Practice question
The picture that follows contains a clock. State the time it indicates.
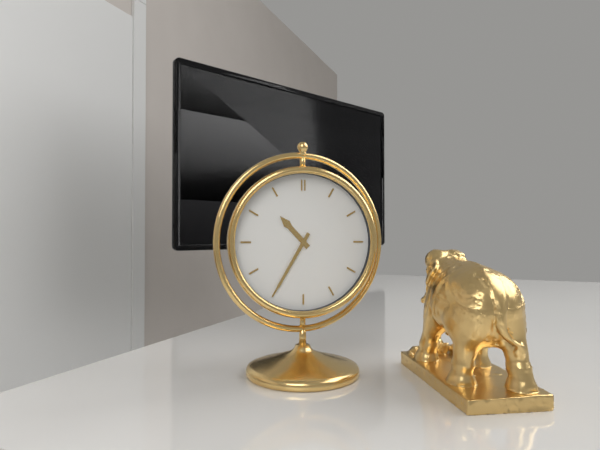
10:35
